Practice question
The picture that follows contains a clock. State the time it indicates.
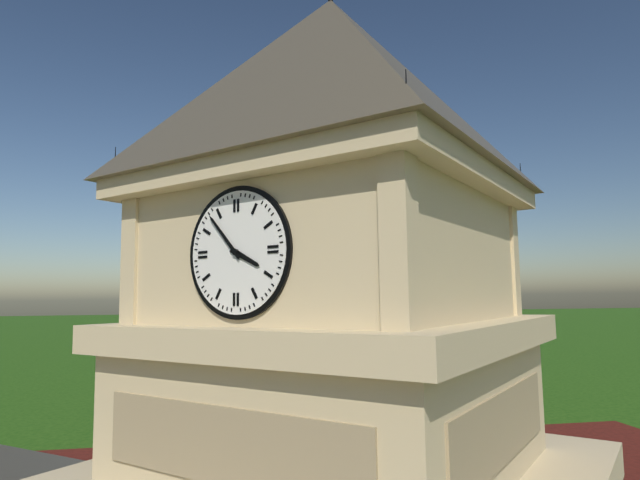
3:53
